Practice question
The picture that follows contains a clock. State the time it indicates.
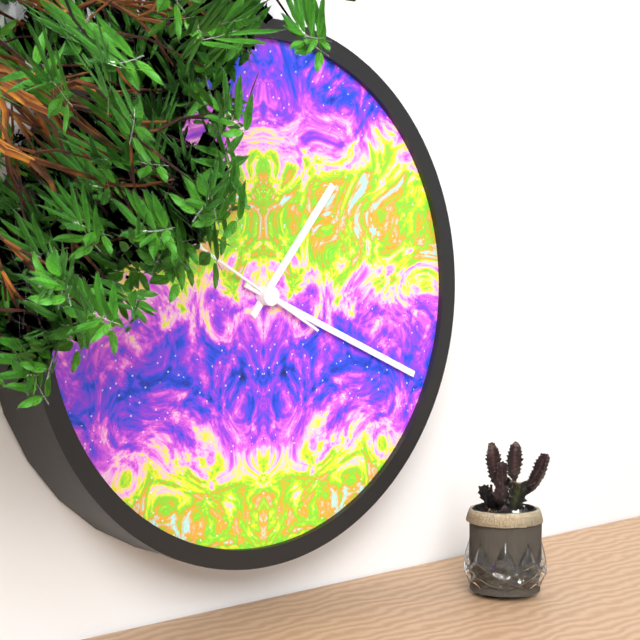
1:19
